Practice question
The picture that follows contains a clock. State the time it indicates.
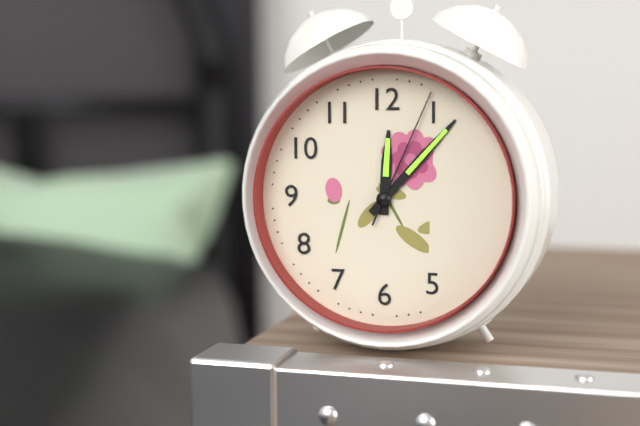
12:07:04
